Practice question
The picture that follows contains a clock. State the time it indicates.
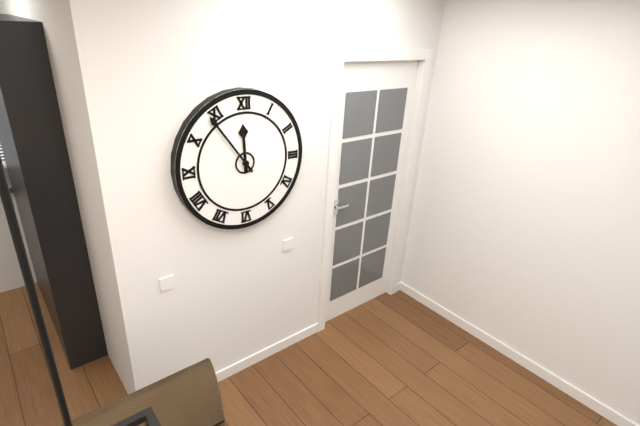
11:54
